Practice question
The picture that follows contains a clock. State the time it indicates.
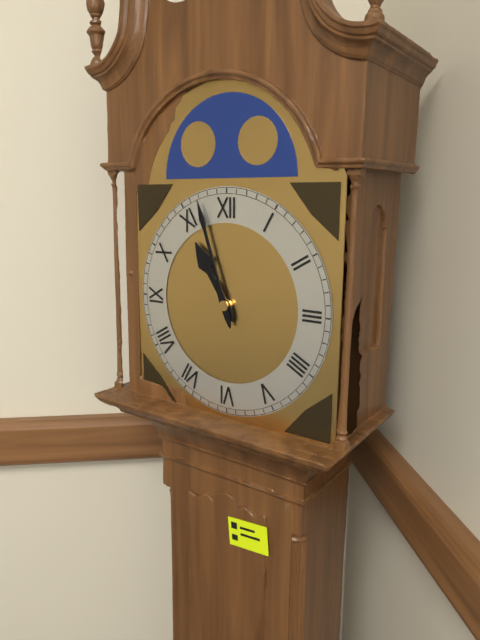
10:57
